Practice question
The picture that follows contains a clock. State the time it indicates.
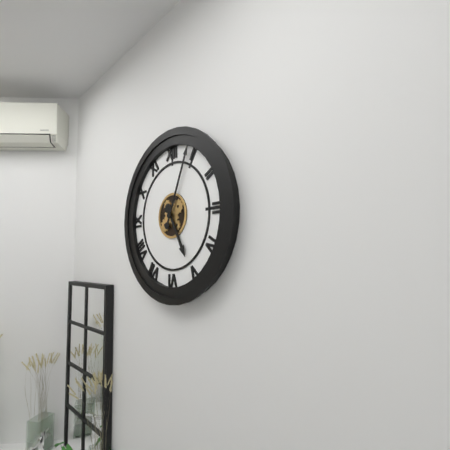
5:04
